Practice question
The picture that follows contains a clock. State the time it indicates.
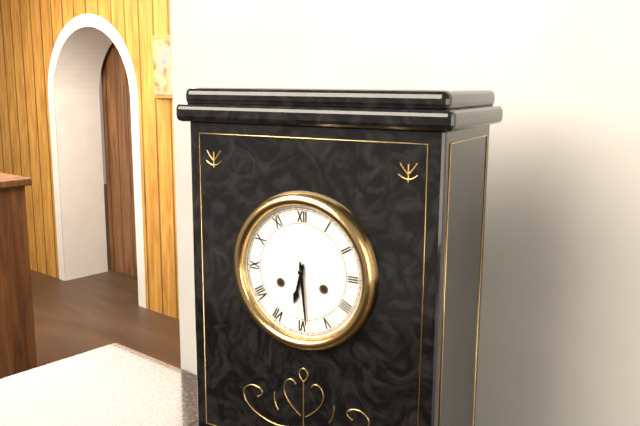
6:29
